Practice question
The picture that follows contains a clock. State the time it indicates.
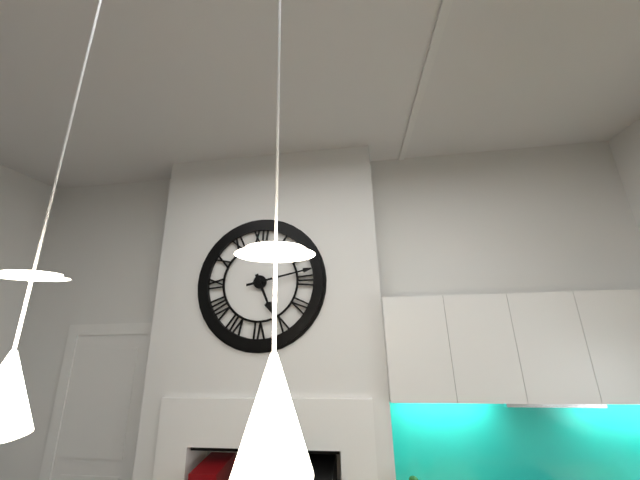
5:13
